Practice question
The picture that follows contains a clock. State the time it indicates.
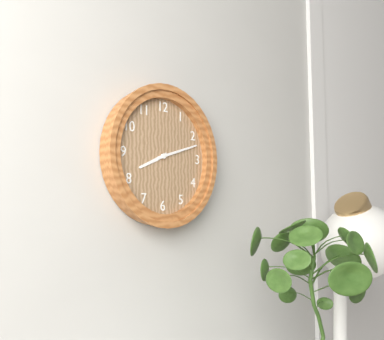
8:12
